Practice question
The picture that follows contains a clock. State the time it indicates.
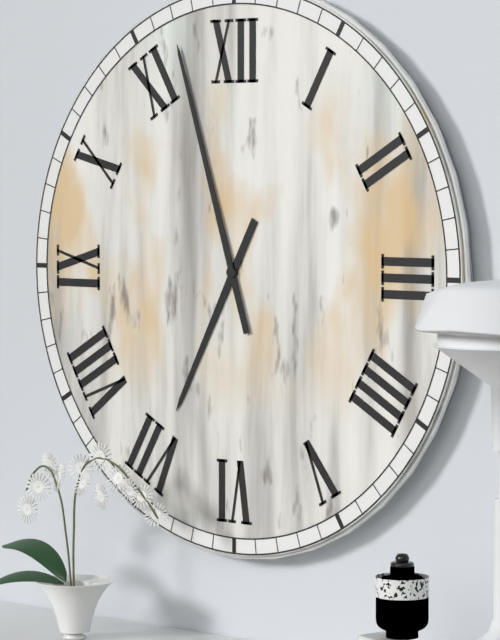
6:57
